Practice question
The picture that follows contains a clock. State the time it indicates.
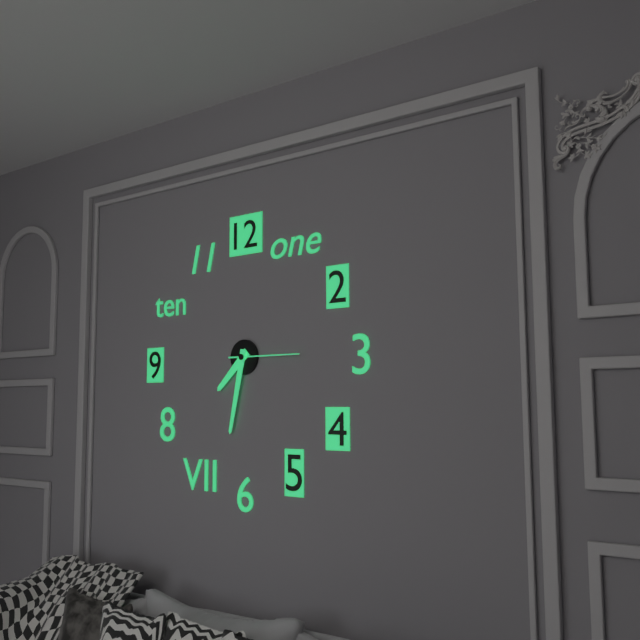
7:32:15
